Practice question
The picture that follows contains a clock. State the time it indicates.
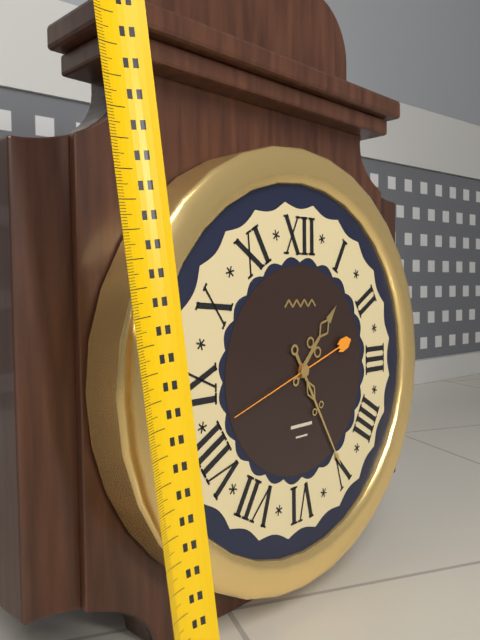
1:25:42
